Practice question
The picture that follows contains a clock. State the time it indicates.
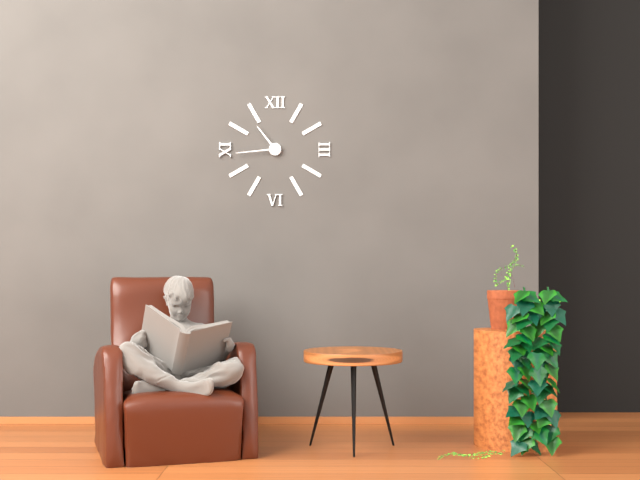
10:44
